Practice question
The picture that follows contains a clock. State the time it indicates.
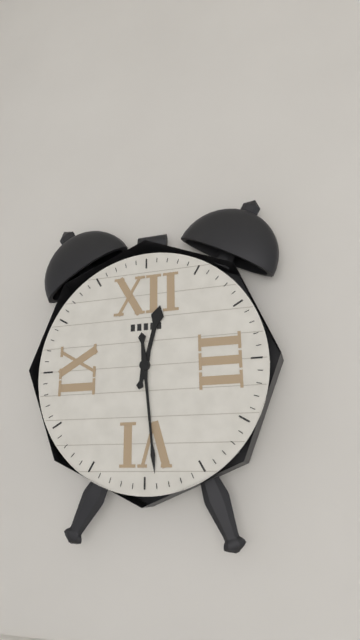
12:29
